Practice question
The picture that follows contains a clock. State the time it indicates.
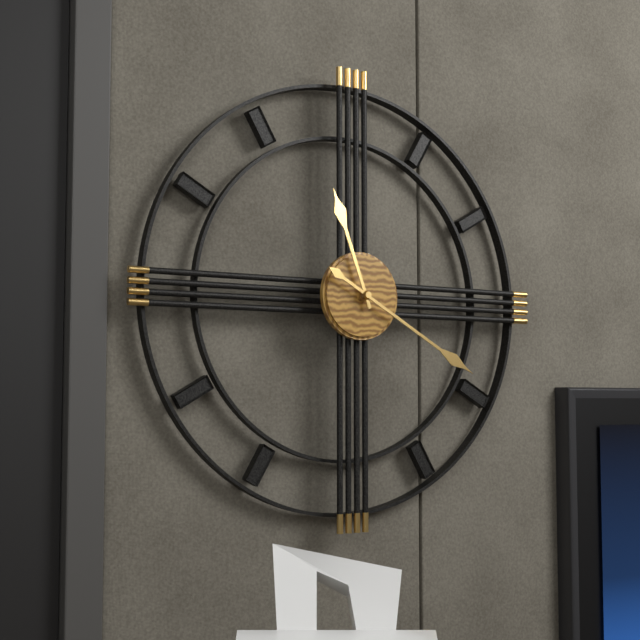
11:20
